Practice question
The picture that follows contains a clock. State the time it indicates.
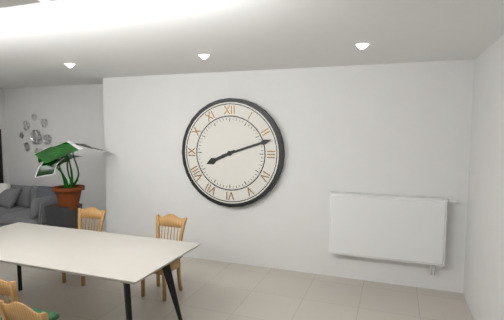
8:12
